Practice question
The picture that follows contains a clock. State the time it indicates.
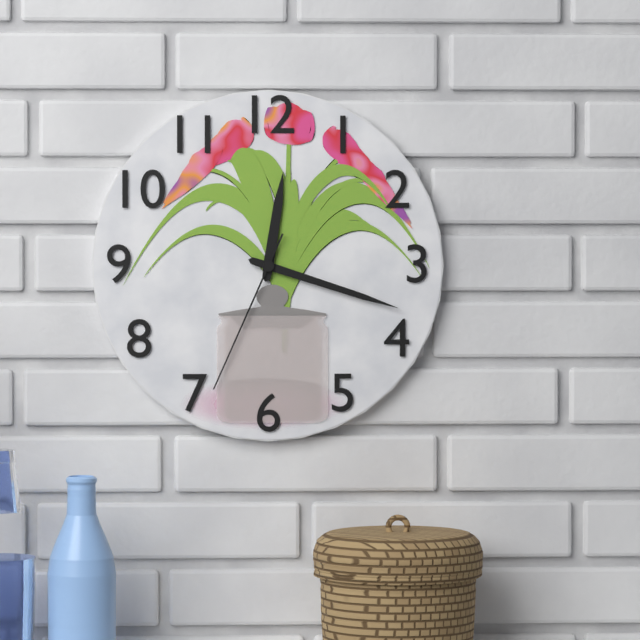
12:18:34
